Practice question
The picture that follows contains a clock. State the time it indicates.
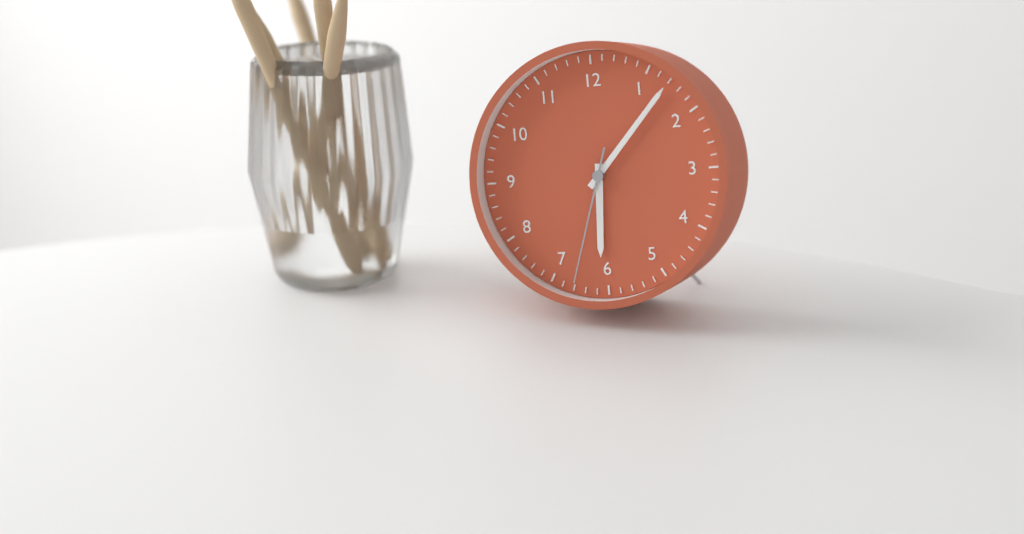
6:07:33
